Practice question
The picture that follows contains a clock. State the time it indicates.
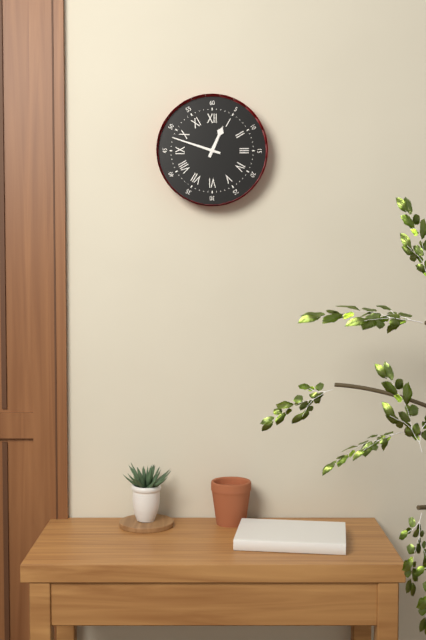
12:48
